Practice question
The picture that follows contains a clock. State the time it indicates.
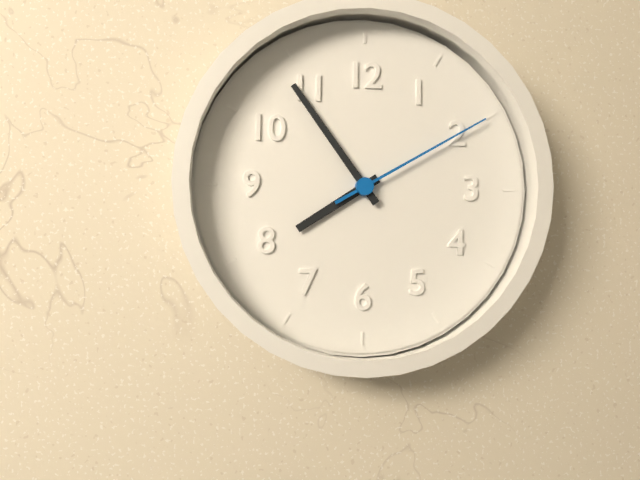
7:54:10
